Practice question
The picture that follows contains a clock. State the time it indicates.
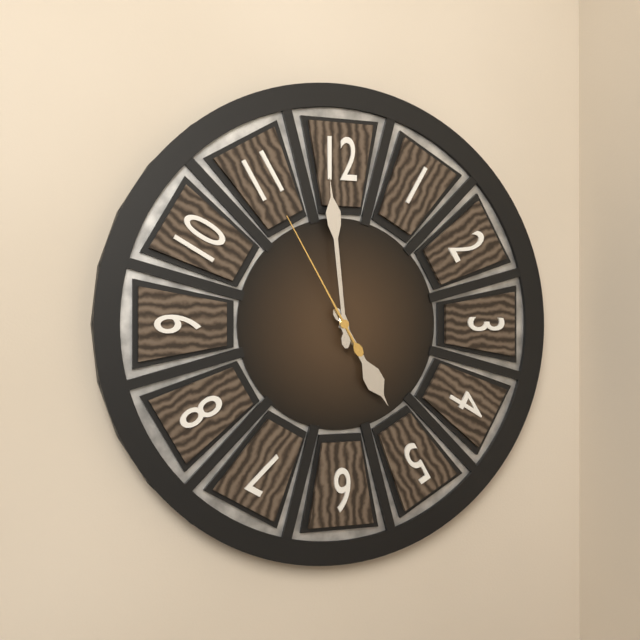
4:59:55
